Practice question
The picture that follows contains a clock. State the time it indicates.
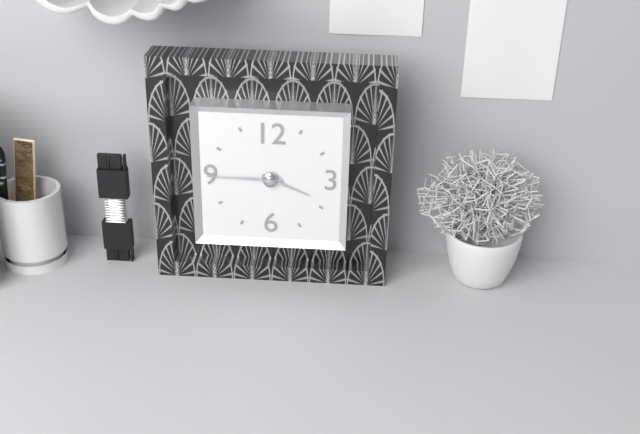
3:45
